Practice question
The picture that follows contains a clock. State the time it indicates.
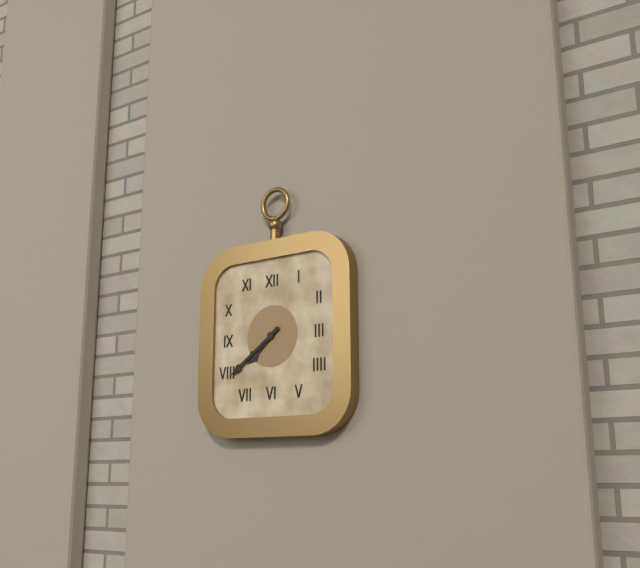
7:39
